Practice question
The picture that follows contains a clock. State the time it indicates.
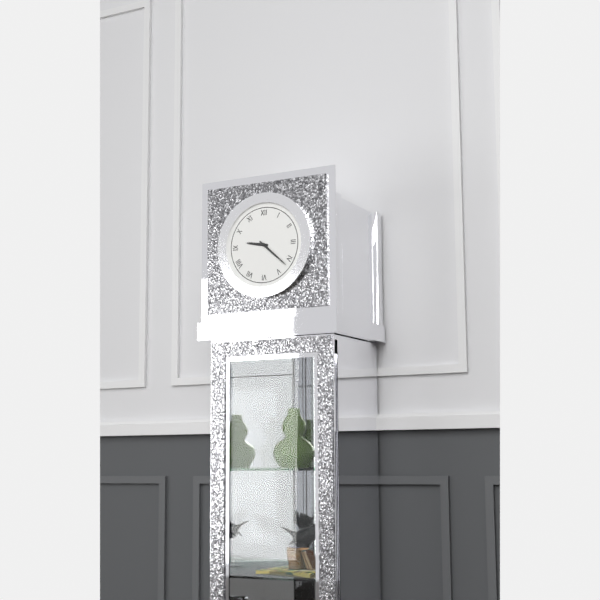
9:22
